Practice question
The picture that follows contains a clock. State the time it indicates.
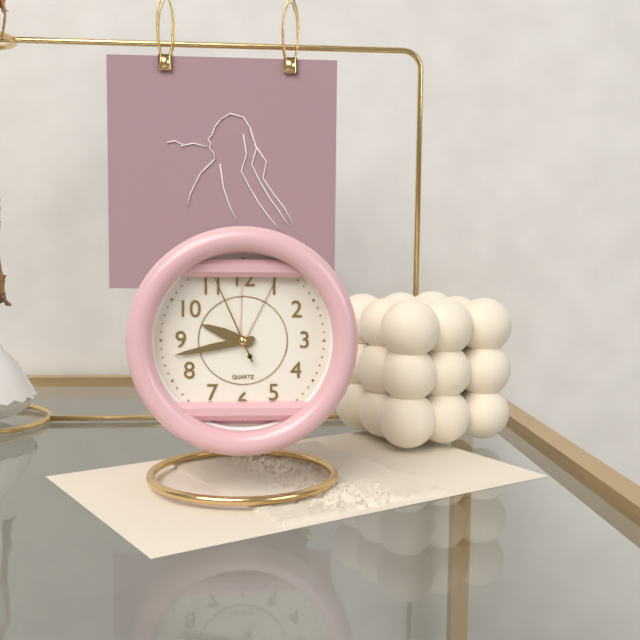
9:43:56
